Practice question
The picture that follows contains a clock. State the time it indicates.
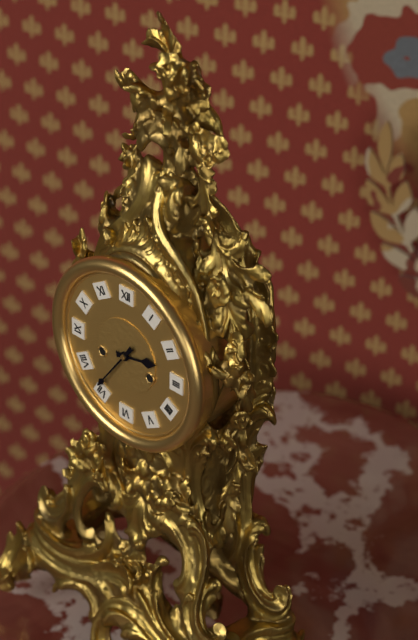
2:36
